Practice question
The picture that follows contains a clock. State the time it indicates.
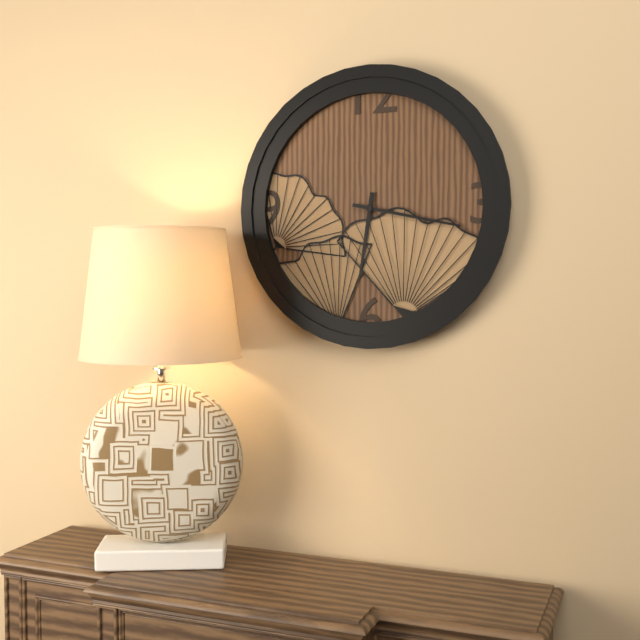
6:17
